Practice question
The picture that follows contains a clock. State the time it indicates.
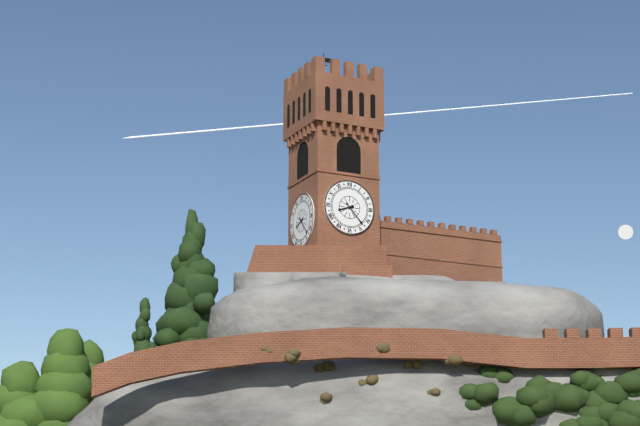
8:23
